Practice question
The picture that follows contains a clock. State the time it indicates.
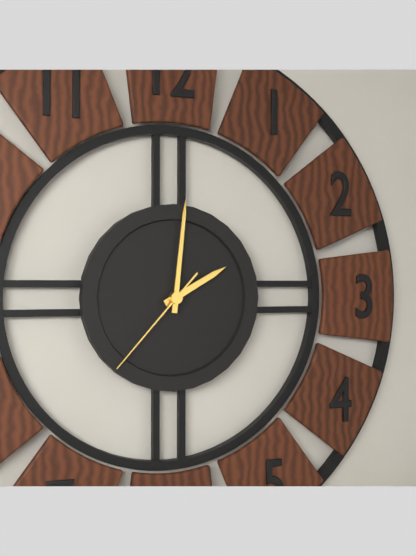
2:01:37
